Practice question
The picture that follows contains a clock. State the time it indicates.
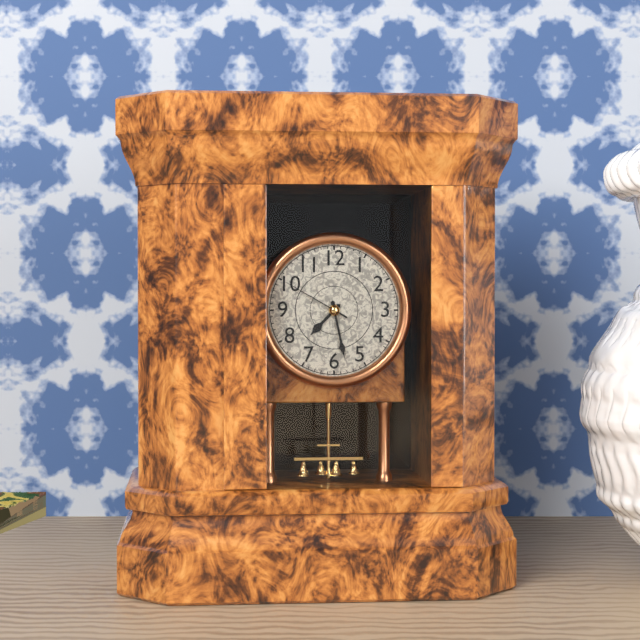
7:28:50
